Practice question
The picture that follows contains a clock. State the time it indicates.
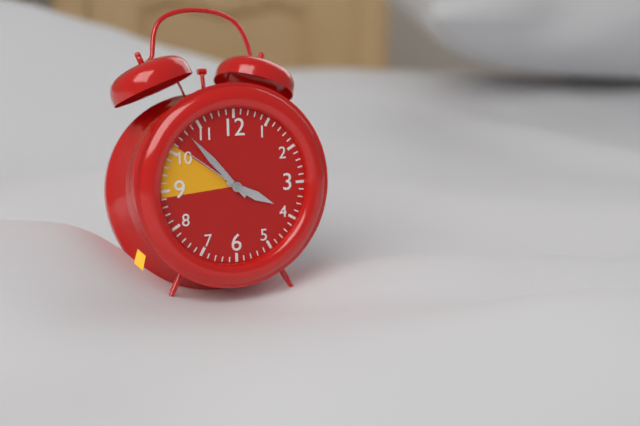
3:53:51
